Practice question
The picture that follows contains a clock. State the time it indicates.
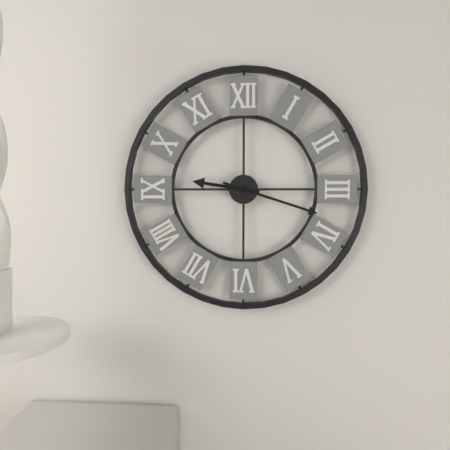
9:18
